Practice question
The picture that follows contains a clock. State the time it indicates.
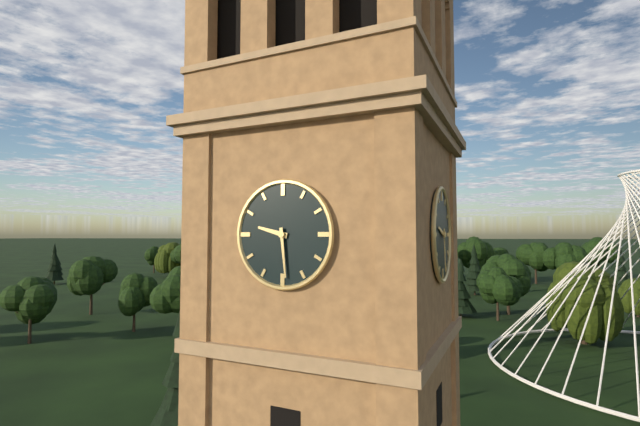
9:29
